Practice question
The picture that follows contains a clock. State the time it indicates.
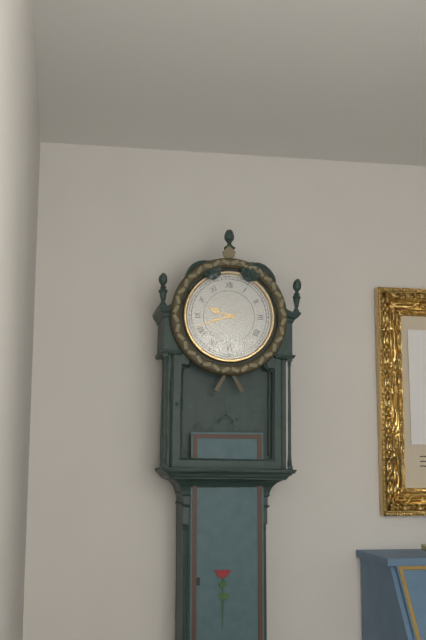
9:42
